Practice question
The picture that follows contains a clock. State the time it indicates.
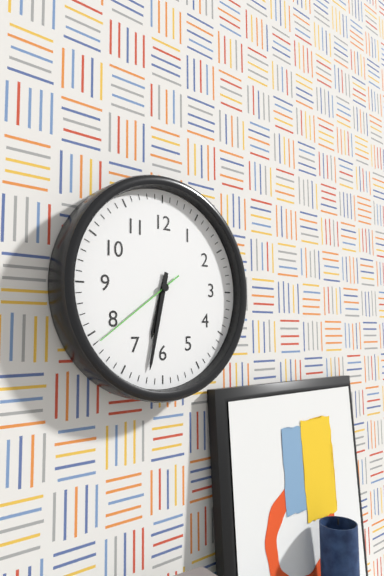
6:32:39
